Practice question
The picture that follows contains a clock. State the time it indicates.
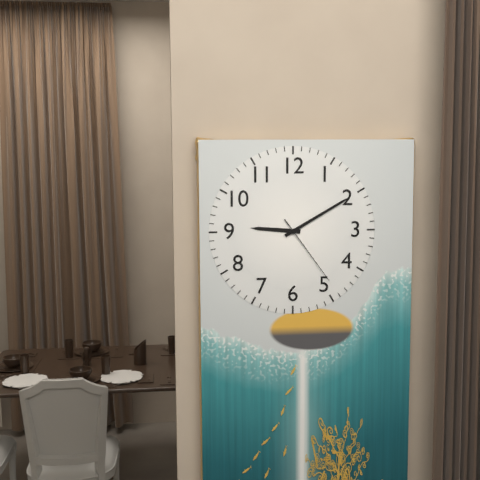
9:10:24
